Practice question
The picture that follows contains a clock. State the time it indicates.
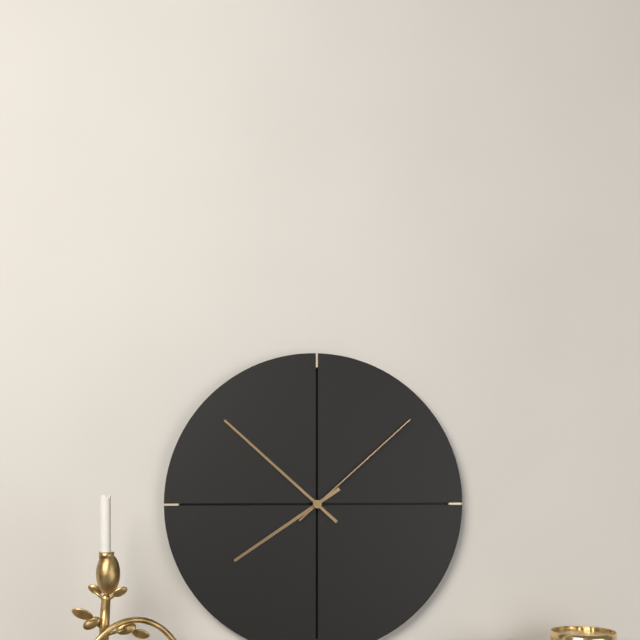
7:52:08
